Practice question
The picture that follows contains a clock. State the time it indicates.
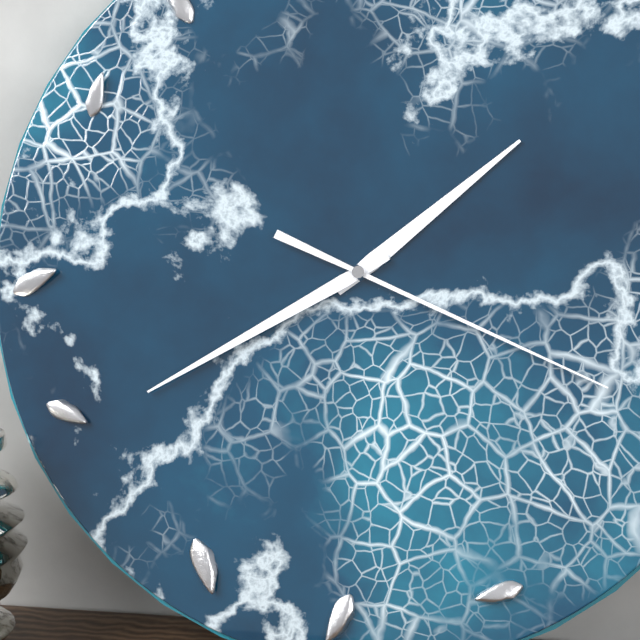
1:40:19
